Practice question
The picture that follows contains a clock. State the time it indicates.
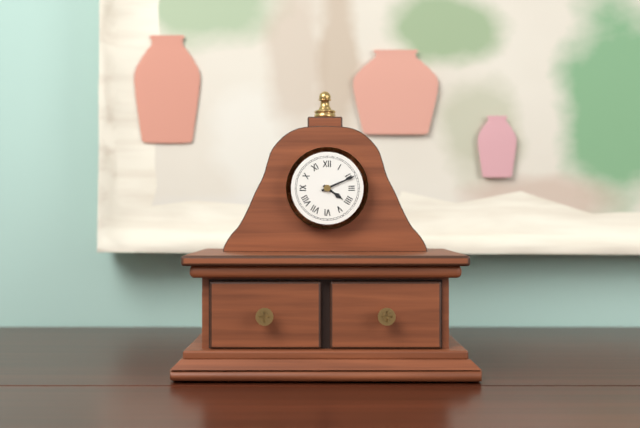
4:11
